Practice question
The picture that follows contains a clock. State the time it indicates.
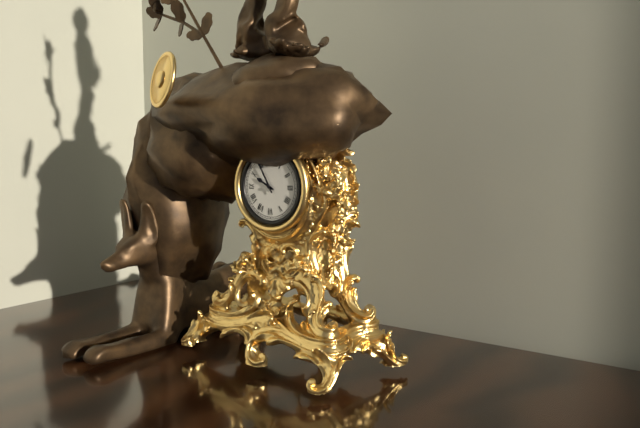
9:55
